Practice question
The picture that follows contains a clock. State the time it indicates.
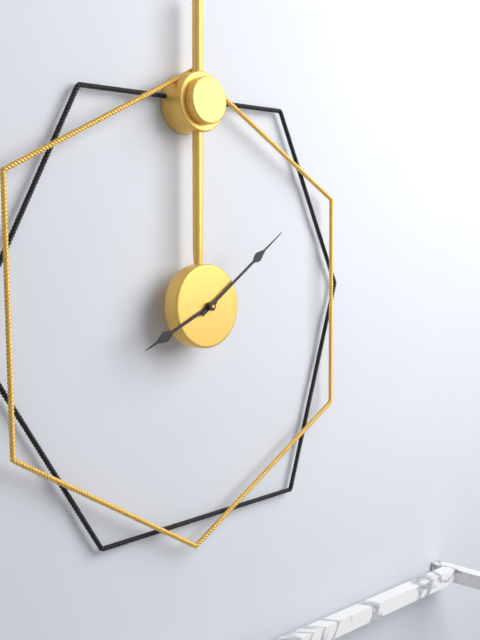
8:09
